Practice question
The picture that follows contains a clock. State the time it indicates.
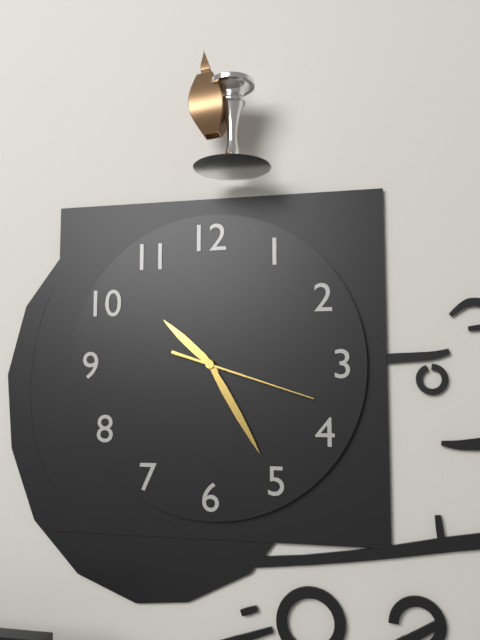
10:25:18
